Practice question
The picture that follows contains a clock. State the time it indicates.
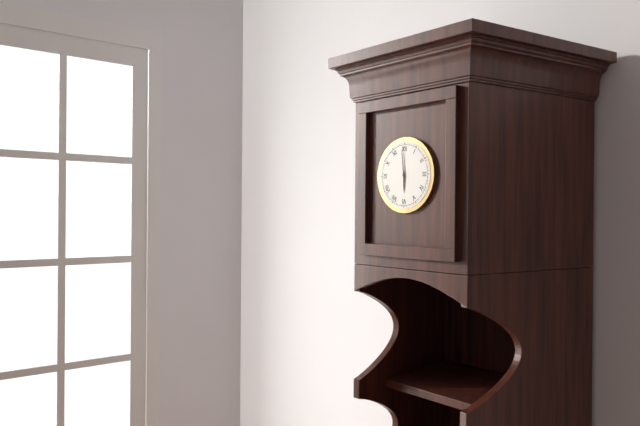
5:59
